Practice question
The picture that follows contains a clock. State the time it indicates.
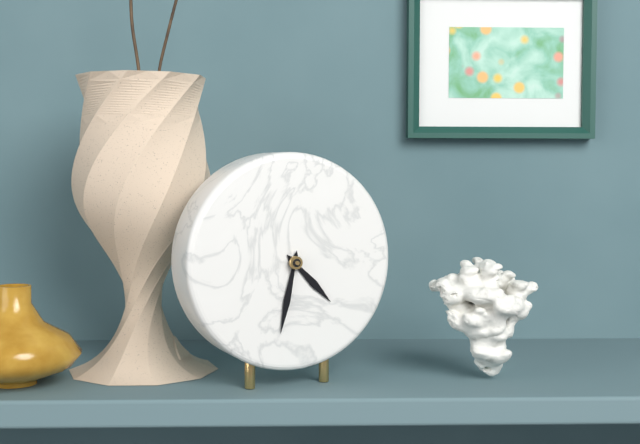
4:32
